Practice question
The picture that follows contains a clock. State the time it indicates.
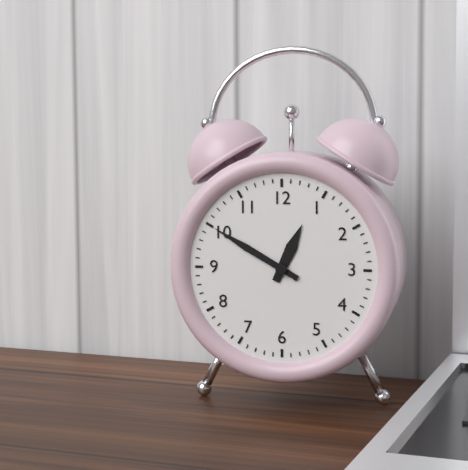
12:50
